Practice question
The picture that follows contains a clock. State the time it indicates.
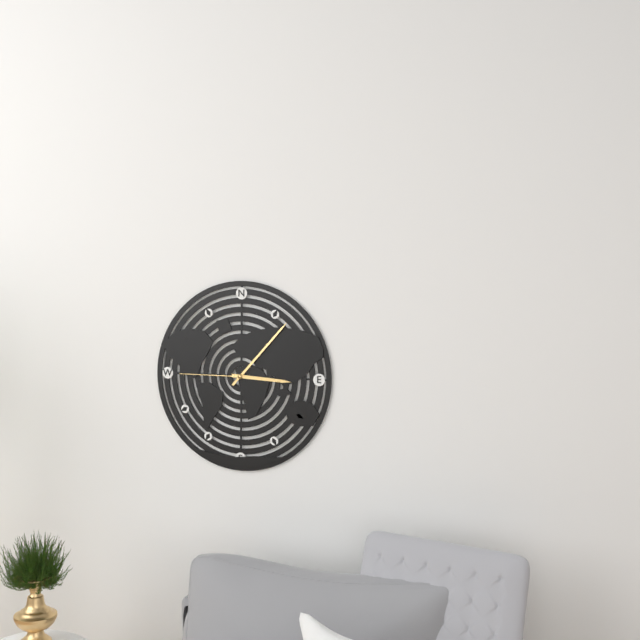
3:07:45
